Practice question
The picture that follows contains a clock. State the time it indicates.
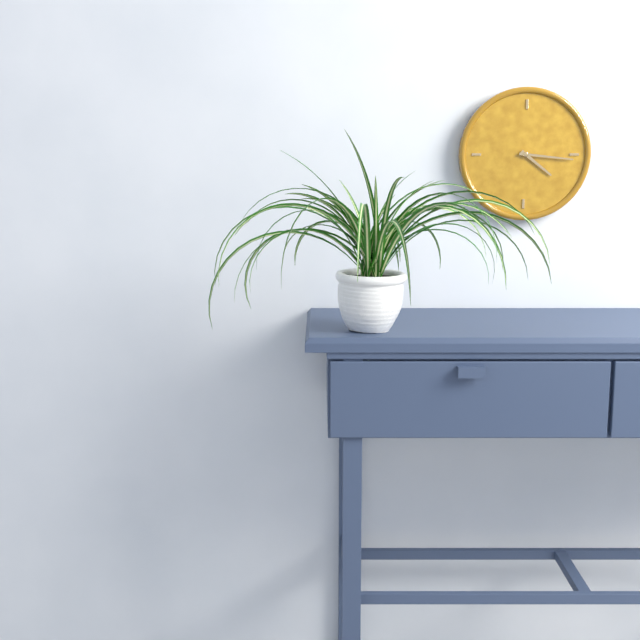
4:16
